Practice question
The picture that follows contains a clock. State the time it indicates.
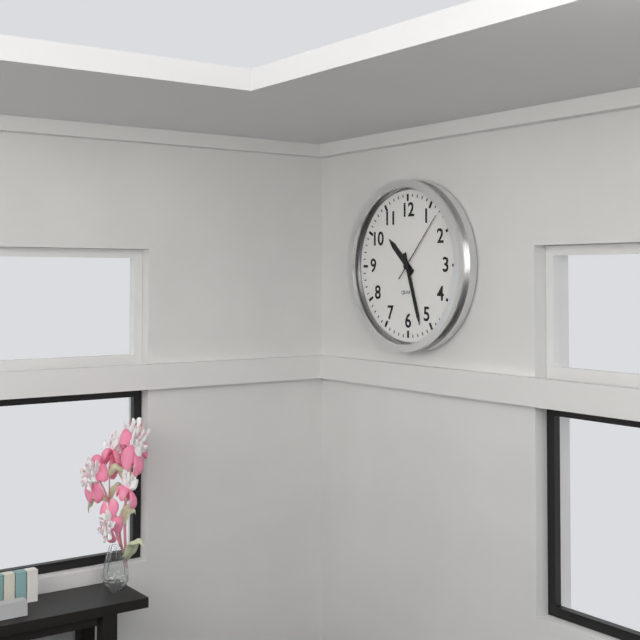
10:27:07
